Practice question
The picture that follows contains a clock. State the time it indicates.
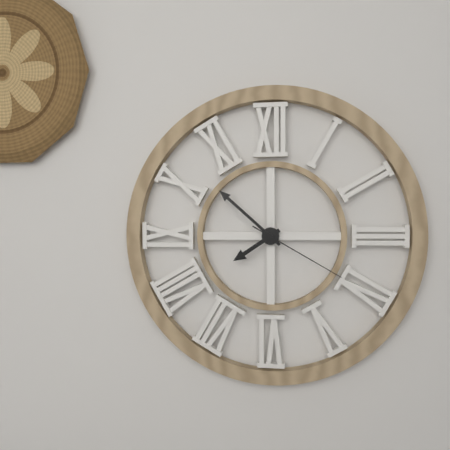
7:52:20
